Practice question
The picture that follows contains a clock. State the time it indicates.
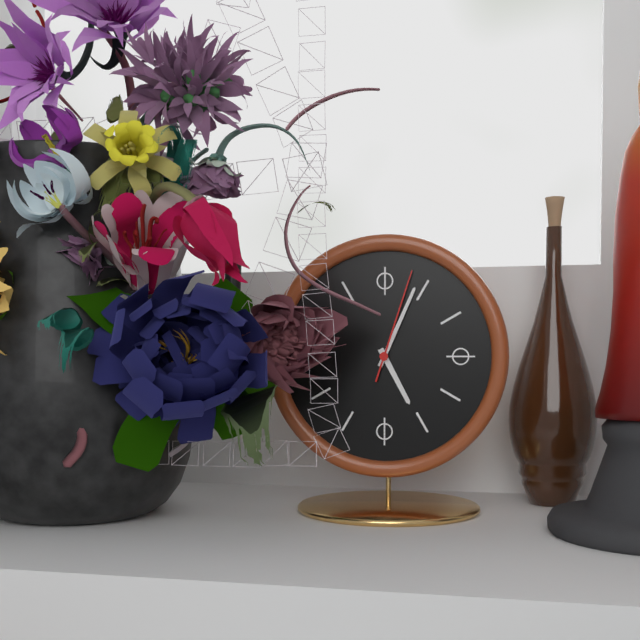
5:04:03
